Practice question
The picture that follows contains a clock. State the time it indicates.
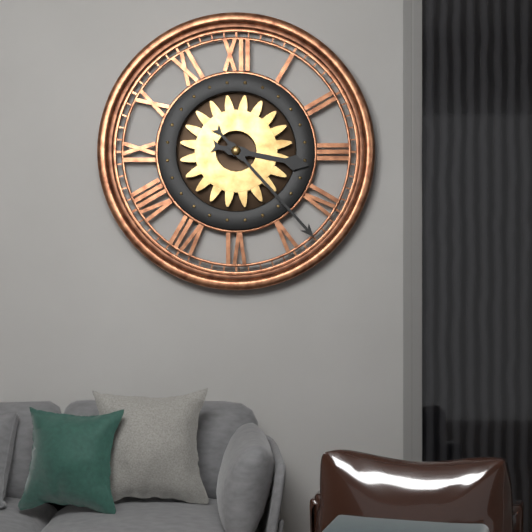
3:23
